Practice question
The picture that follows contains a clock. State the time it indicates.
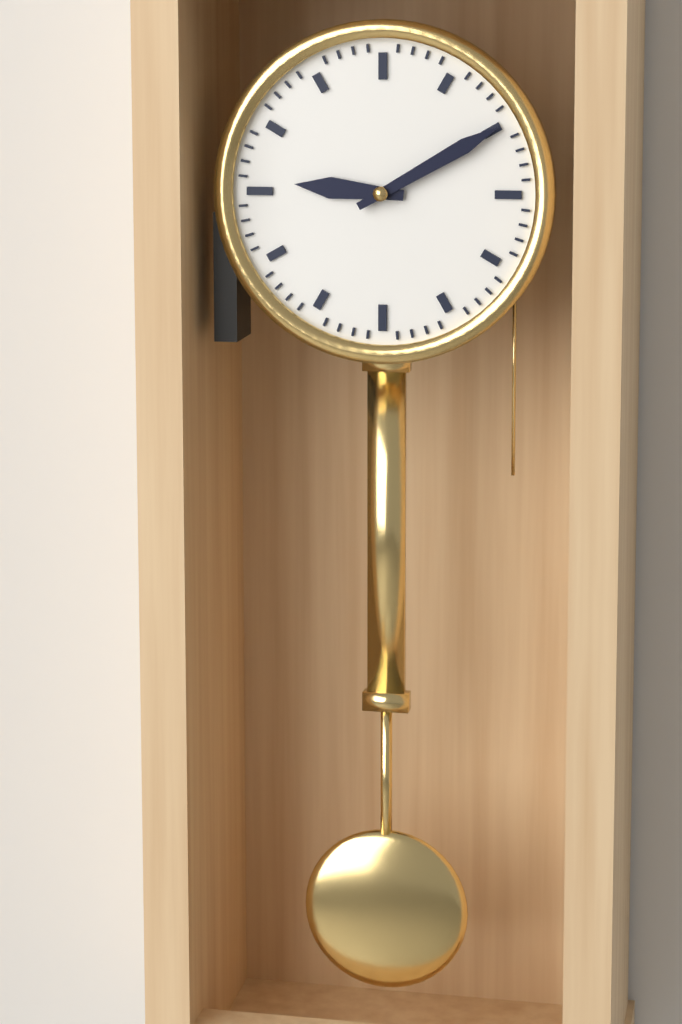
9:10
